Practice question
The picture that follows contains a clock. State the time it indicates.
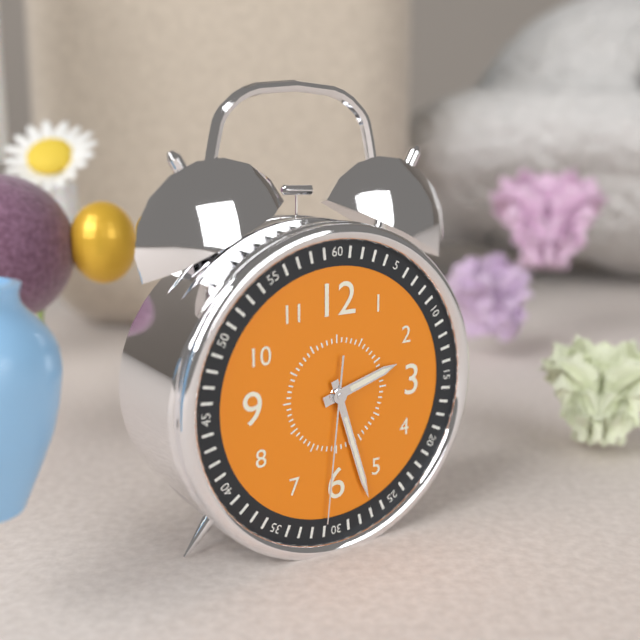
2:27:31
